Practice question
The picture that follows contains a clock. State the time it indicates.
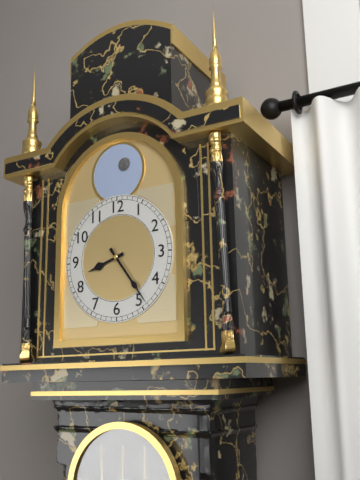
8:24
